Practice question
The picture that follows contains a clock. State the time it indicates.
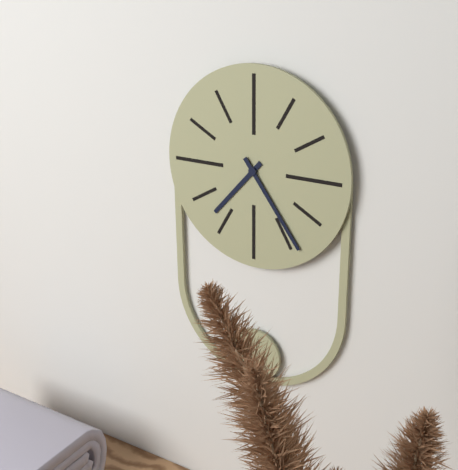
7:24
